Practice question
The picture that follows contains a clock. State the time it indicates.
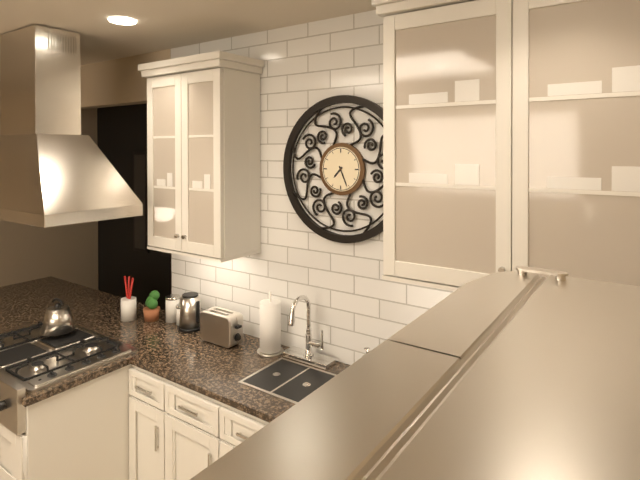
7:26
